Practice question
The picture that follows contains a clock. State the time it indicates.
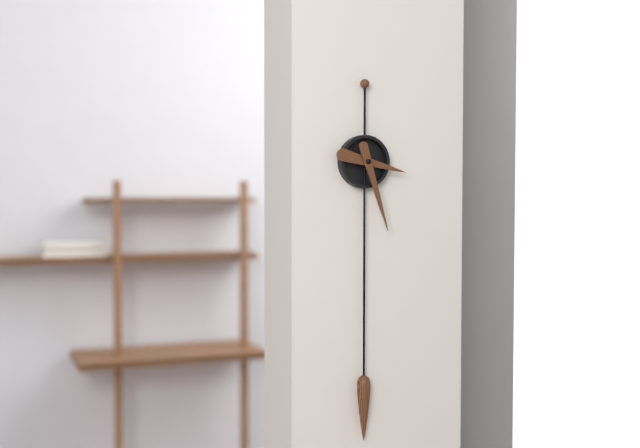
3:27
